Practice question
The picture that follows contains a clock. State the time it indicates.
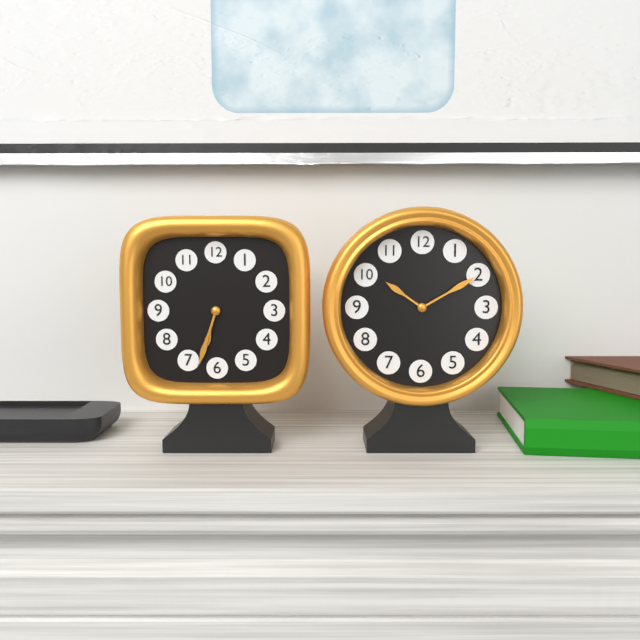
6:33
